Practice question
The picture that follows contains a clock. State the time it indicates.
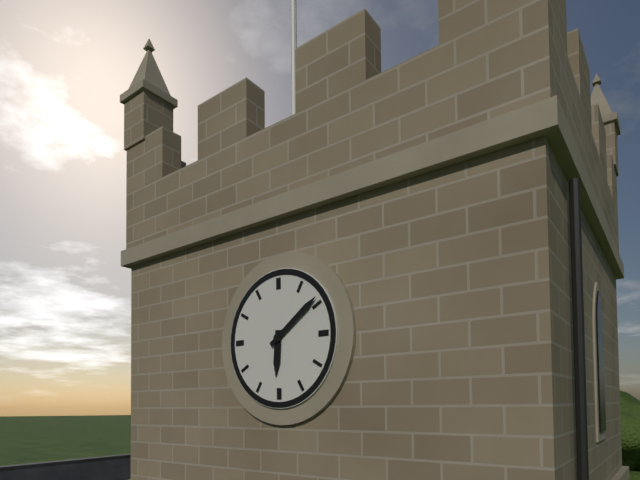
6:09
